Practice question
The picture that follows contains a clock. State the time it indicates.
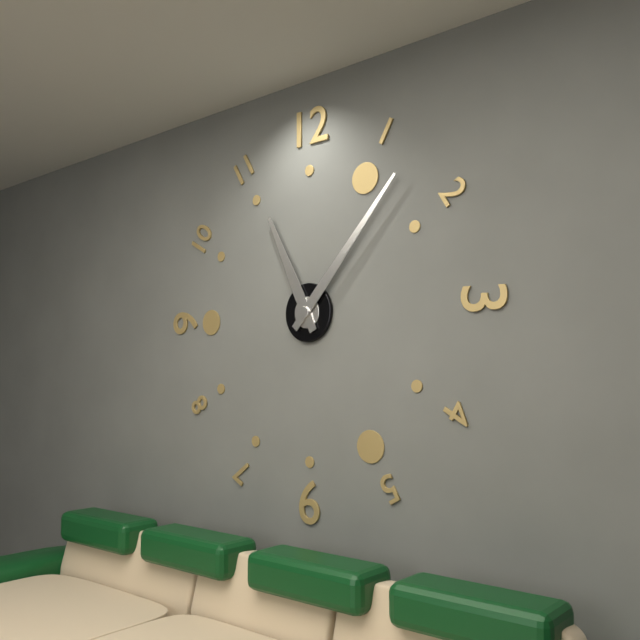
11:07
